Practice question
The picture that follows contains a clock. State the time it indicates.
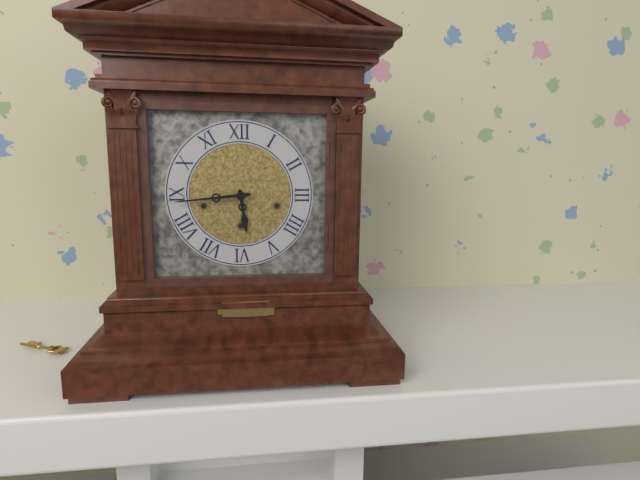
5:44
